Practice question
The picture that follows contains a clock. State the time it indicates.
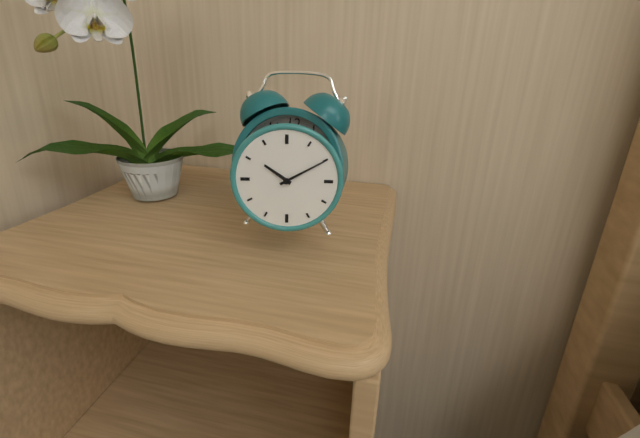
10:10
